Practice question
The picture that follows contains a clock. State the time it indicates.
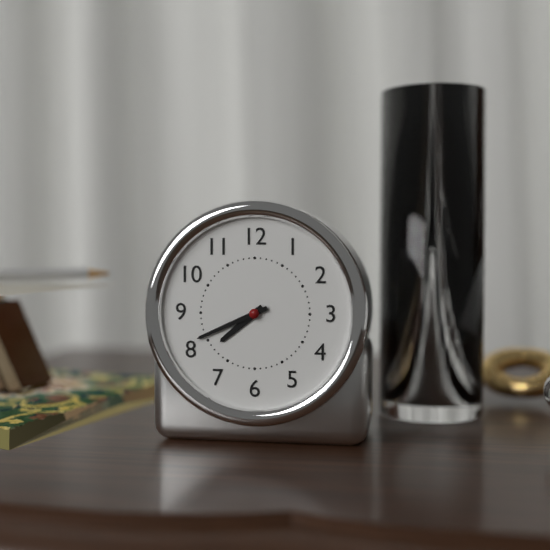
7:41
